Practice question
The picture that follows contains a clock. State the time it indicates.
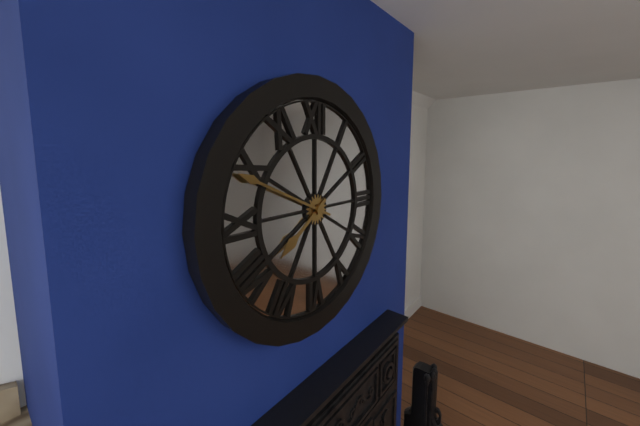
7:49
